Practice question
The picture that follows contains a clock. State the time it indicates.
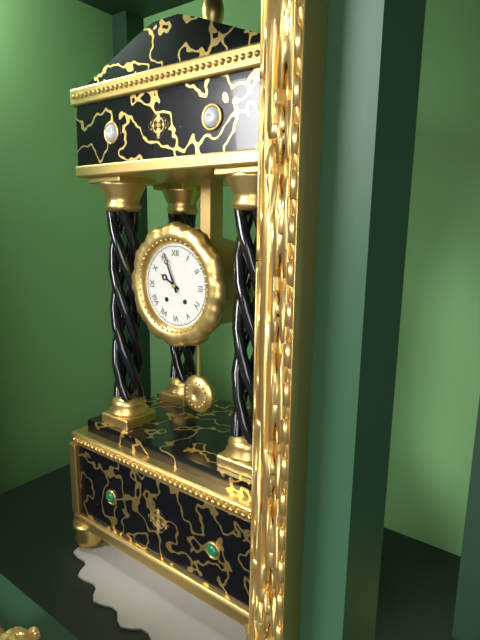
9:56
